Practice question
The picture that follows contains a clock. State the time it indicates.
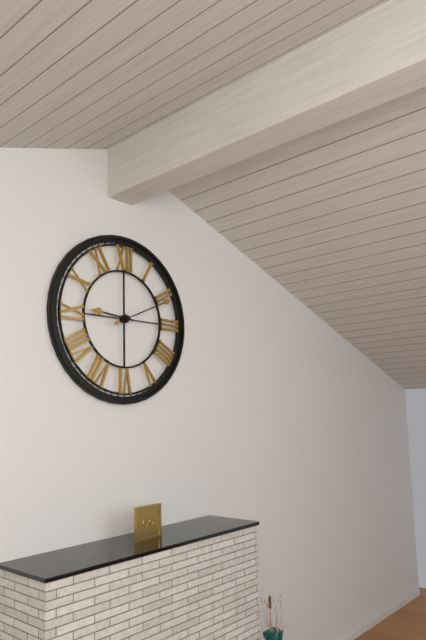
9:11
